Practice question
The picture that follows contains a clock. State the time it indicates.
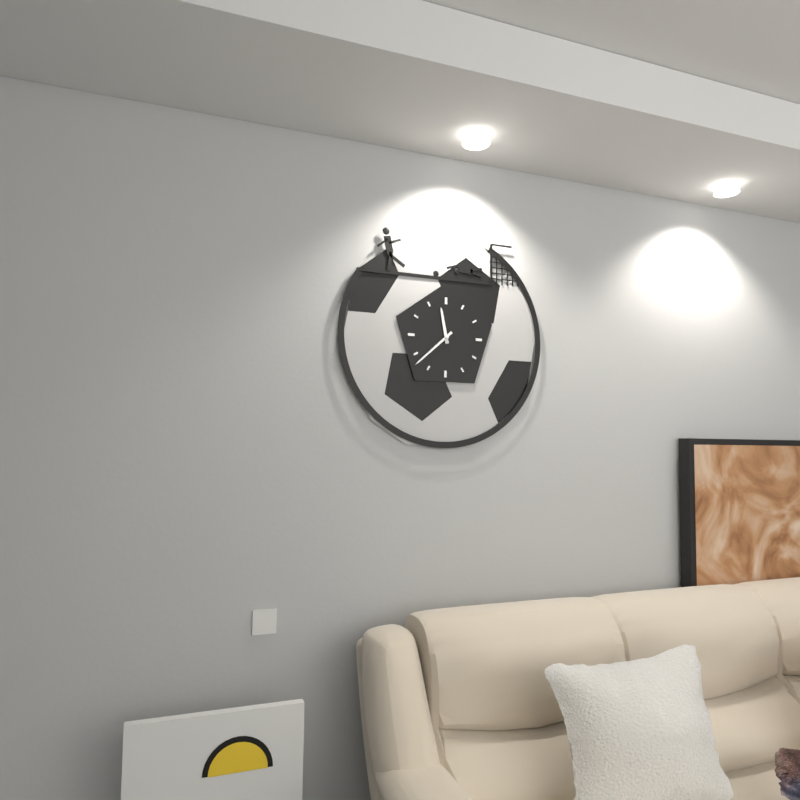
11:38
